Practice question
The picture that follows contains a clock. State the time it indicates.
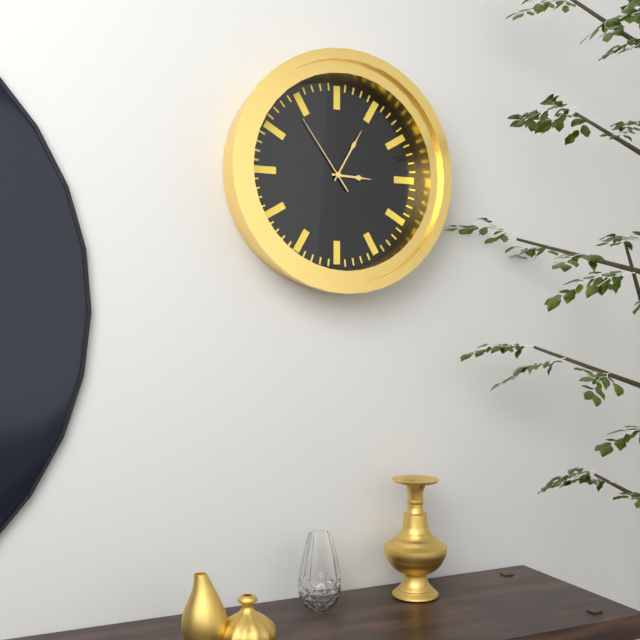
3:05:54
